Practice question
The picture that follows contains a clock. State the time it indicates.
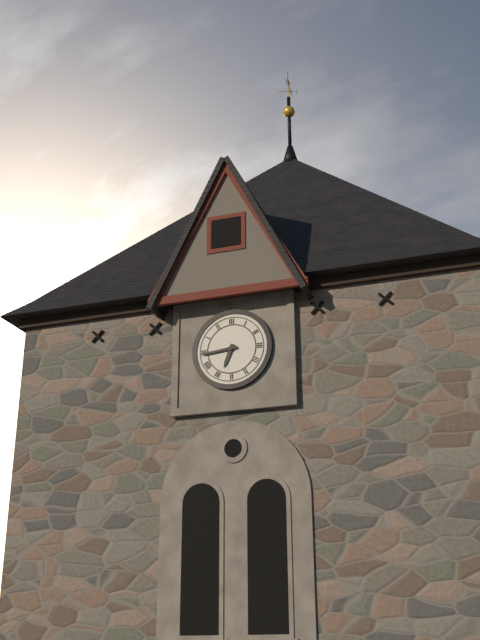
6:44
